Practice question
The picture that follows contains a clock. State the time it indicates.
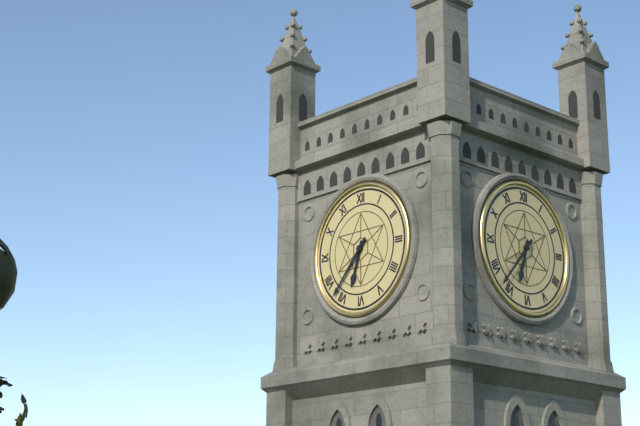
6:37
